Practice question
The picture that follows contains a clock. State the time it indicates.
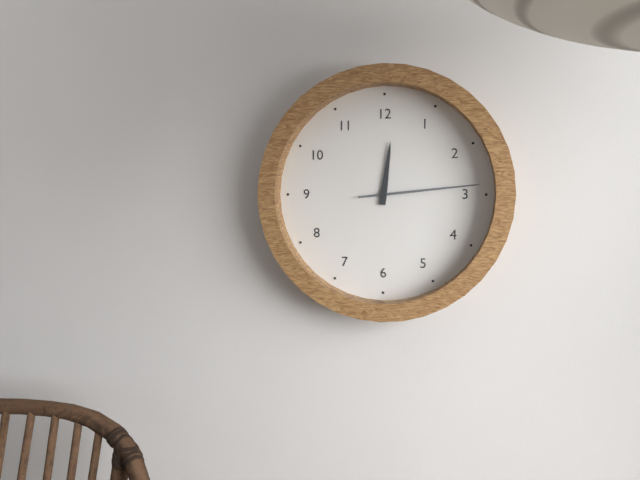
12:14
